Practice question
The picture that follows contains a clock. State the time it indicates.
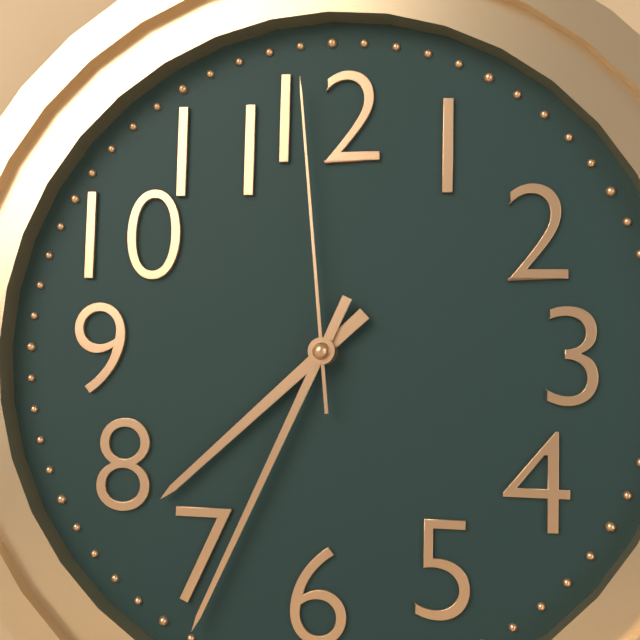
7:34:59
